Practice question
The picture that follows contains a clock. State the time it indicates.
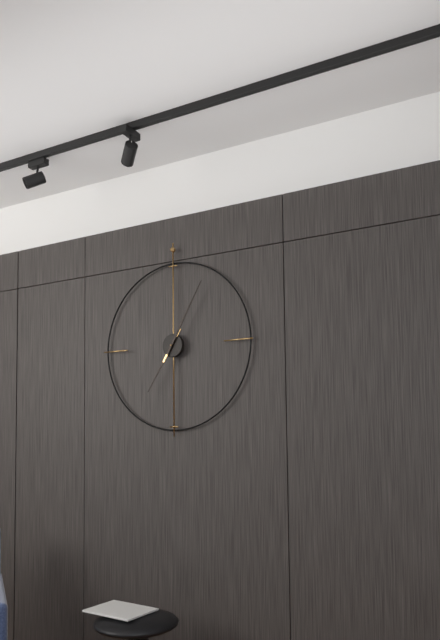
7:05
